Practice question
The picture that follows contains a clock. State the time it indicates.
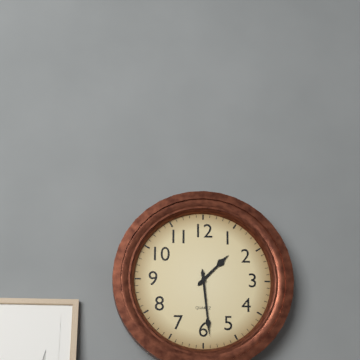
1:29
